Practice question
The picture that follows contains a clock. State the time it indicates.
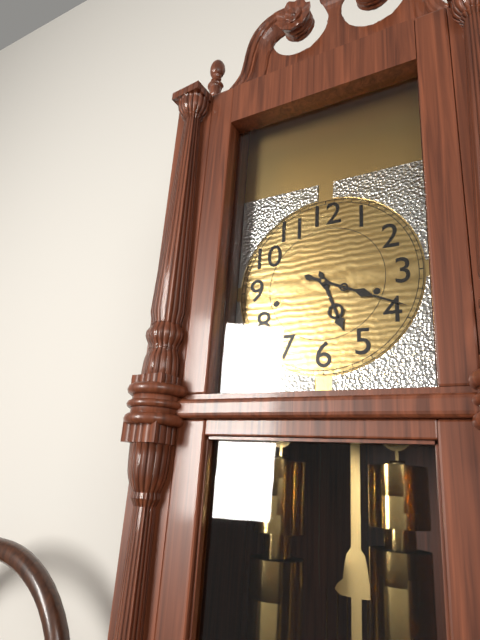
5:19
